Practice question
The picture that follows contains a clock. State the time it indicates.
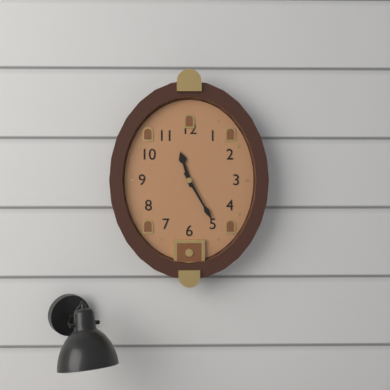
11:25
